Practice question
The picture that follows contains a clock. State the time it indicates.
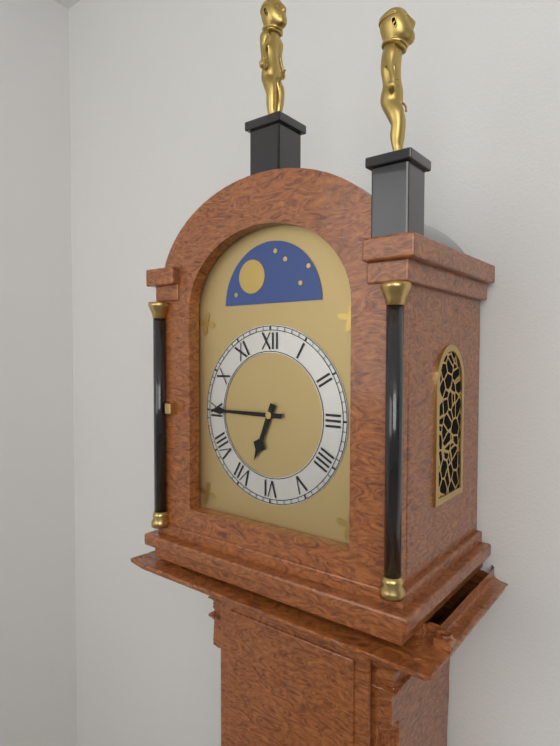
6:45
